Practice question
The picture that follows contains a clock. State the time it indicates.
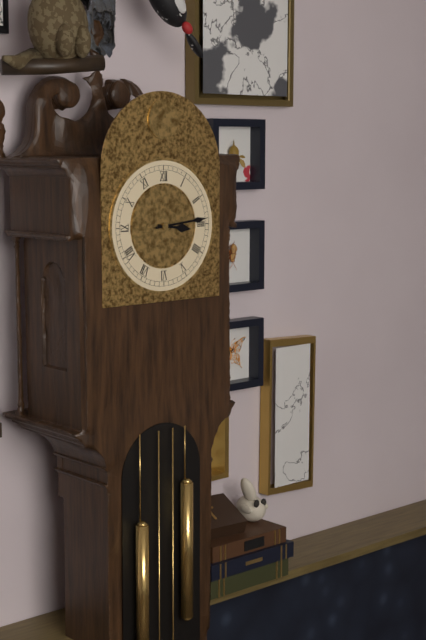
3:14
